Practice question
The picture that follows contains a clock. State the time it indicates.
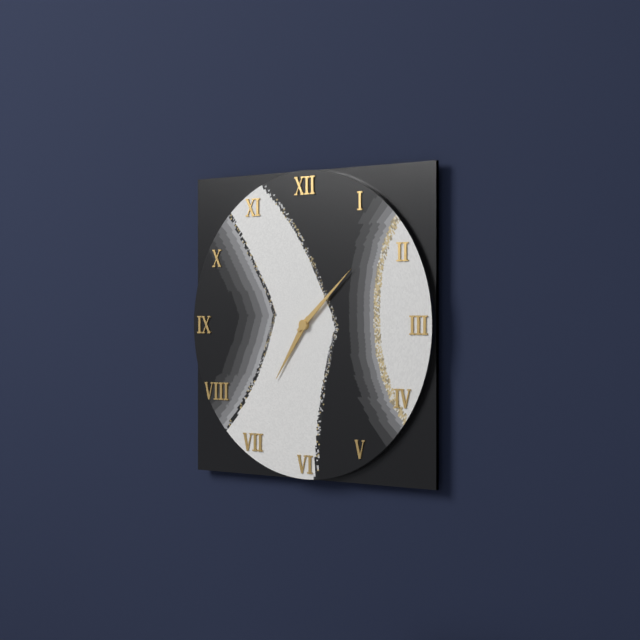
7:08
